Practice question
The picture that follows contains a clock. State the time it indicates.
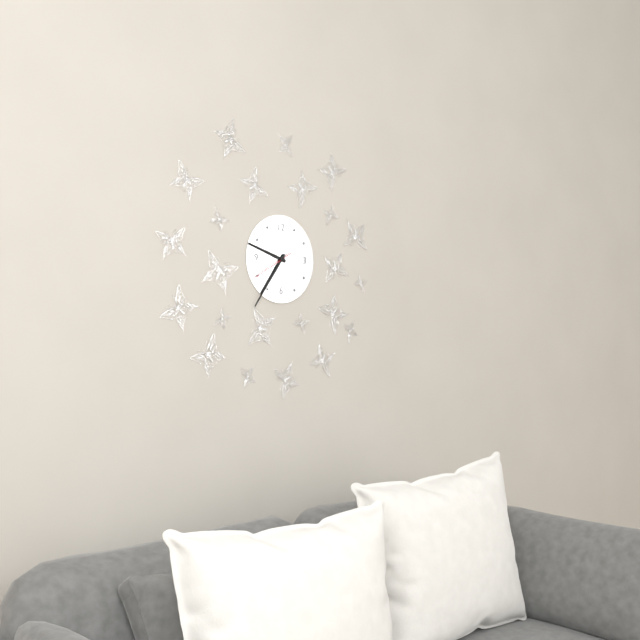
9:36
